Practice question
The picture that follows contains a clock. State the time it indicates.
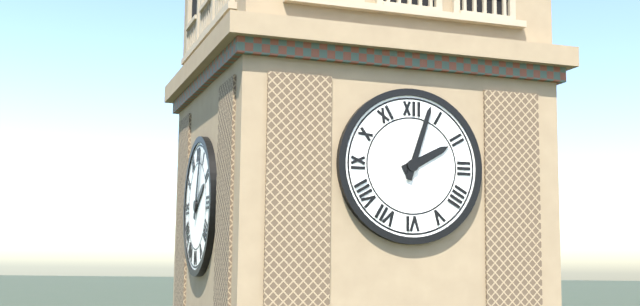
2:03
